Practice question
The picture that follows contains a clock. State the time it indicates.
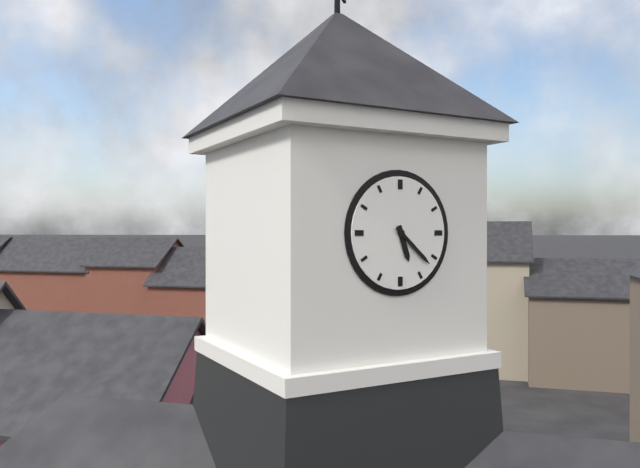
5:22
